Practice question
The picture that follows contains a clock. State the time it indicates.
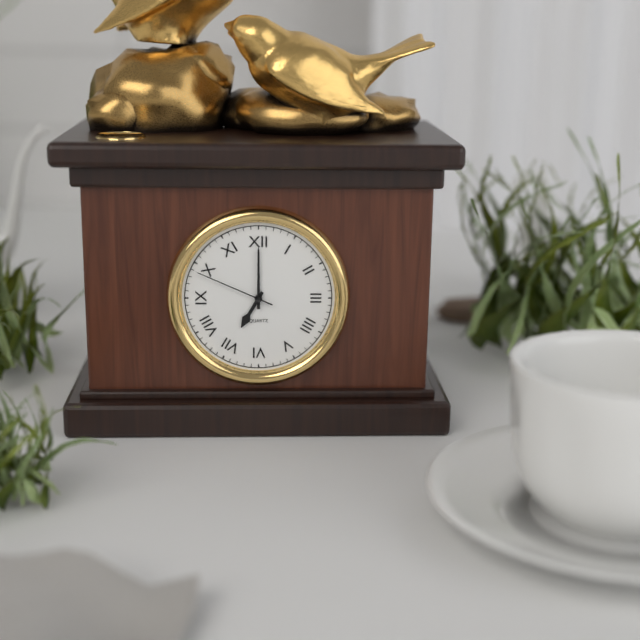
7:00:49
